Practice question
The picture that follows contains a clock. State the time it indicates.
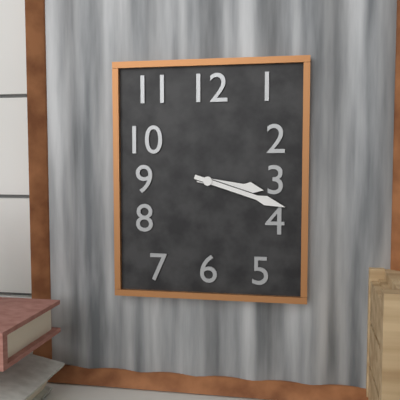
3:18
